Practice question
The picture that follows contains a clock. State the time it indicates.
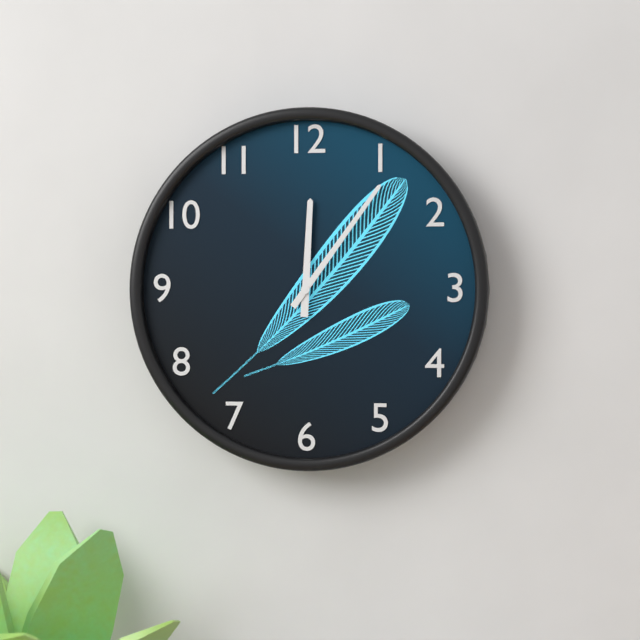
12:06
